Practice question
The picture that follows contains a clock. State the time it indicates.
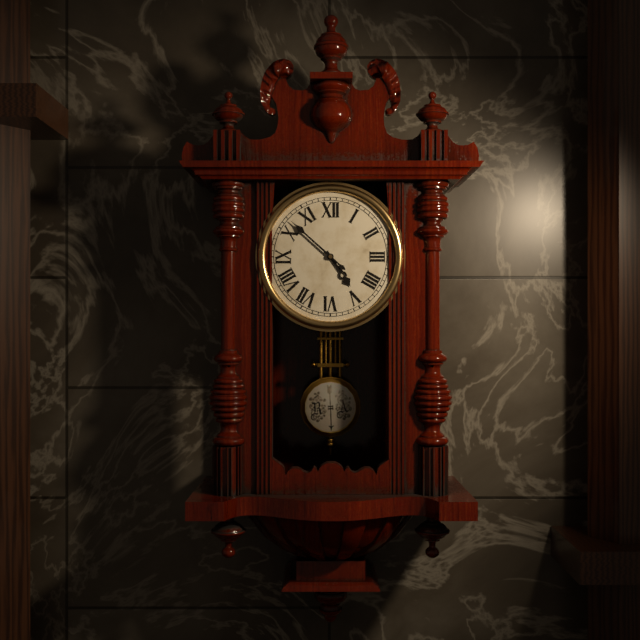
4:52
